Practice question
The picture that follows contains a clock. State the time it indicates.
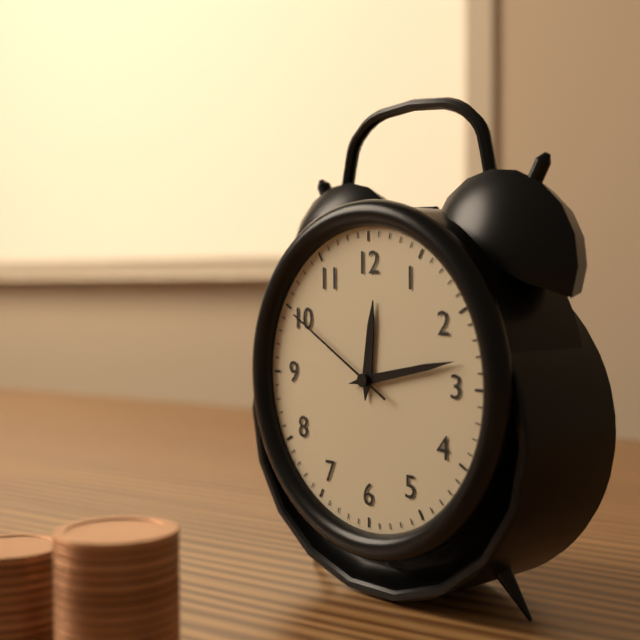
12:13:50
